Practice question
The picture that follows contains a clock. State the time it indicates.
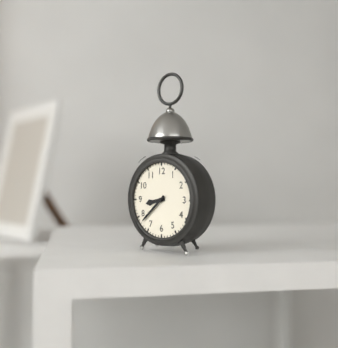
8:38
